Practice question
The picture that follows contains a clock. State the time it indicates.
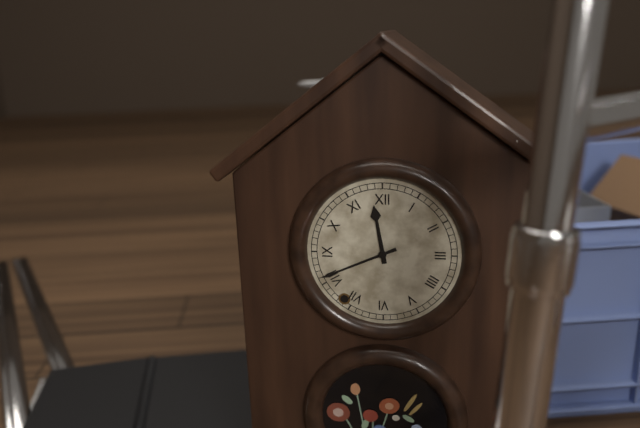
11:41
